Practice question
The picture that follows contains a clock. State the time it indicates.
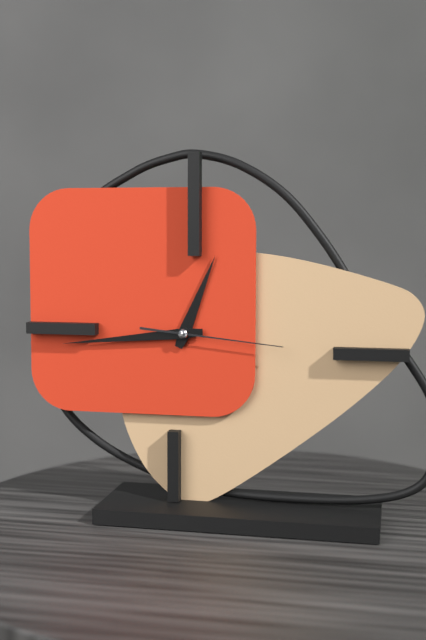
12:44:16
